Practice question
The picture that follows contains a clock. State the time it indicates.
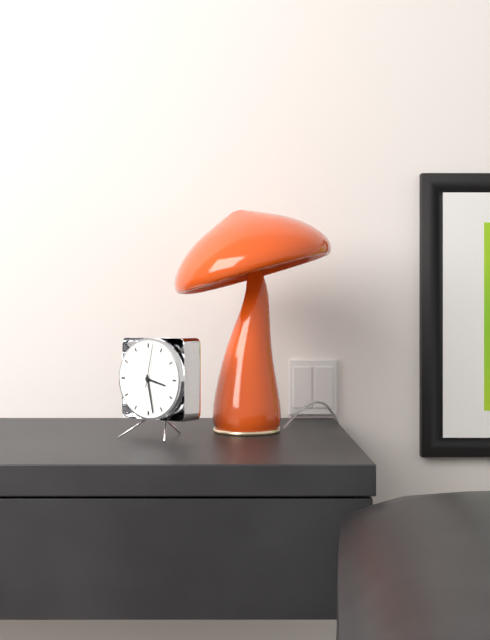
3:28
